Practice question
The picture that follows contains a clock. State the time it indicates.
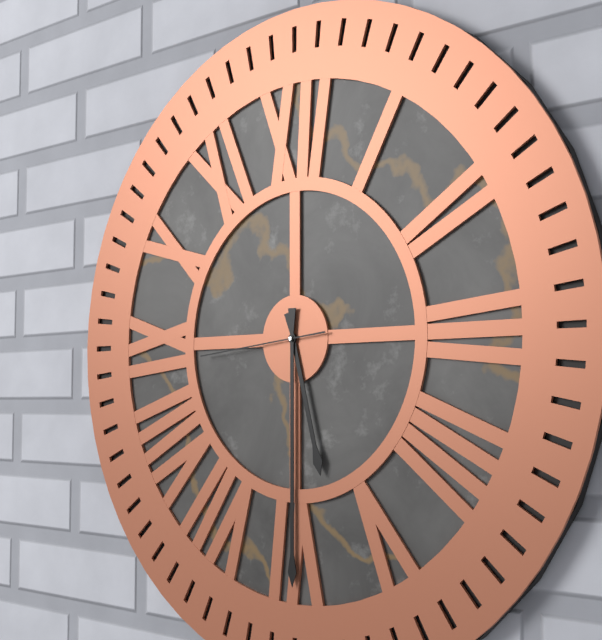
5:30:44
